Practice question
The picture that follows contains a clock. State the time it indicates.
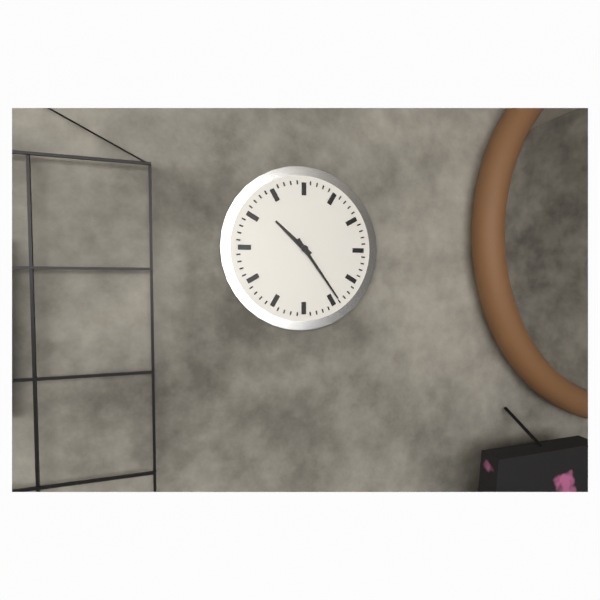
10:24
